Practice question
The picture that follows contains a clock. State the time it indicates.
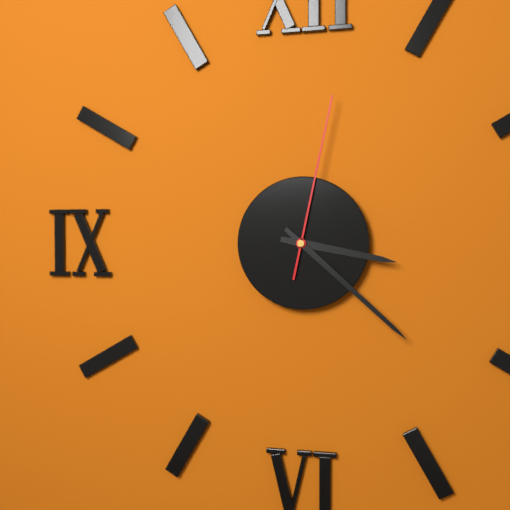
3:22:02
